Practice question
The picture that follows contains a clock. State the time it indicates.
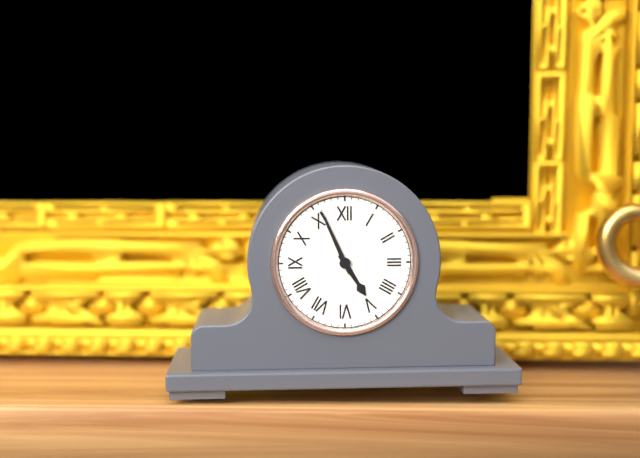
4:56
